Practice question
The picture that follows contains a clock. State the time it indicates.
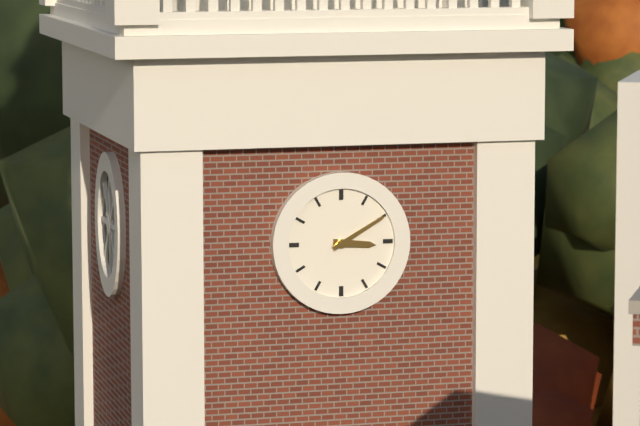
3:10
